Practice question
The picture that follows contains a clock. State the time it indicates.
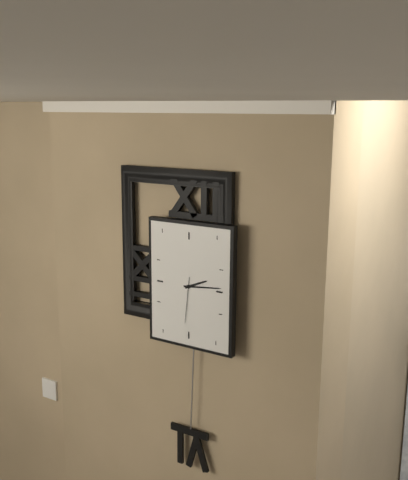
2:14
